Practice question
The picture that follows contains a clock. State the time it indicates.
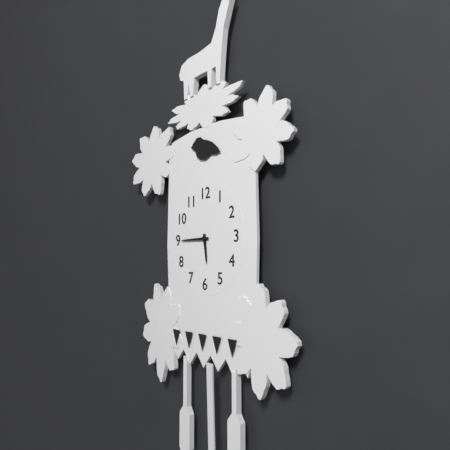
5:45
